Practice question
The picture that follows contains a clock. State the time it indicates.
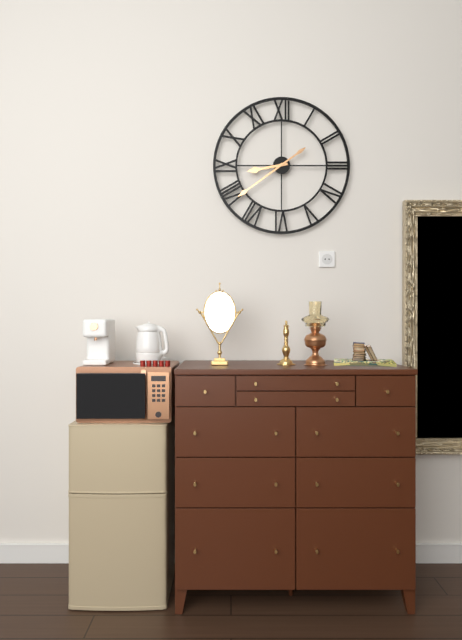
8:39
